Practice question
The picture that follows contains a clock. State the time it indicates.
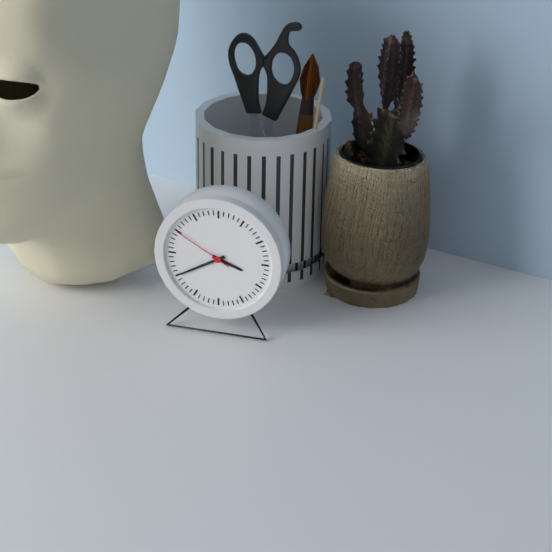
3:40:50
